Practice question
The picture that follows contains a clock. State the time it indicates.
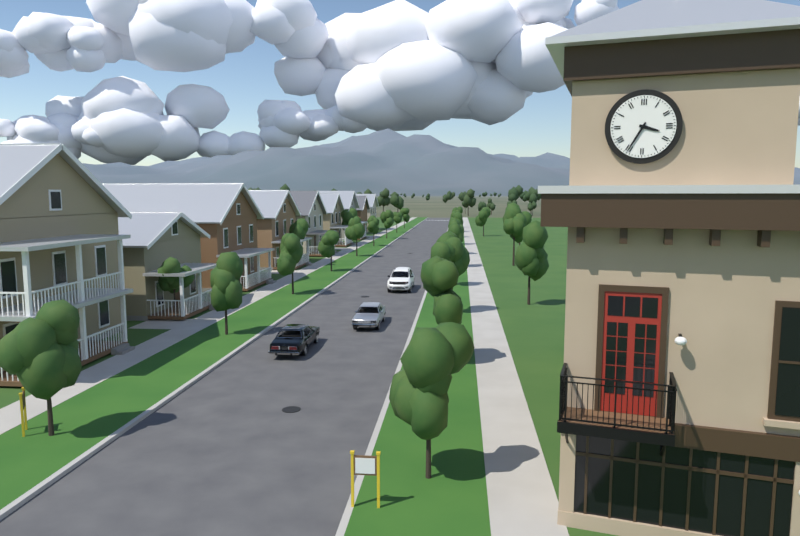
3:35
